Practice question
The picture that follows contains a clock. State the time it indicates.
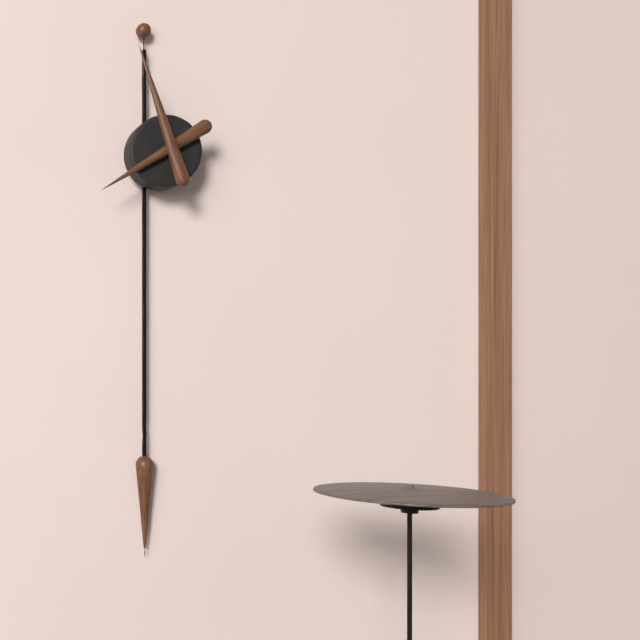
7:57
